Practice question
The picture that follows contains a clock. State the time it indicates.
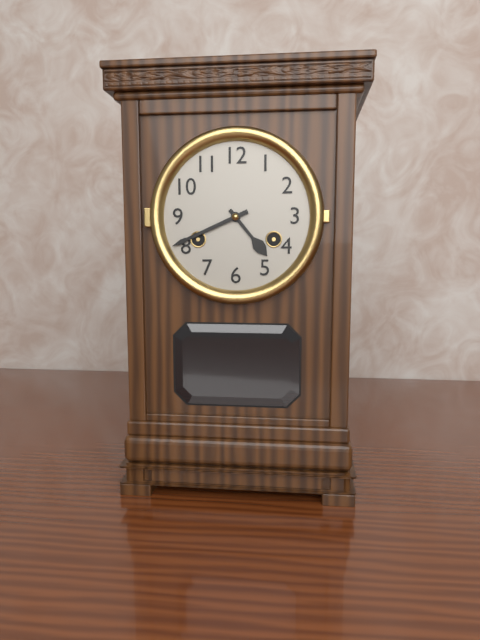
4:41
